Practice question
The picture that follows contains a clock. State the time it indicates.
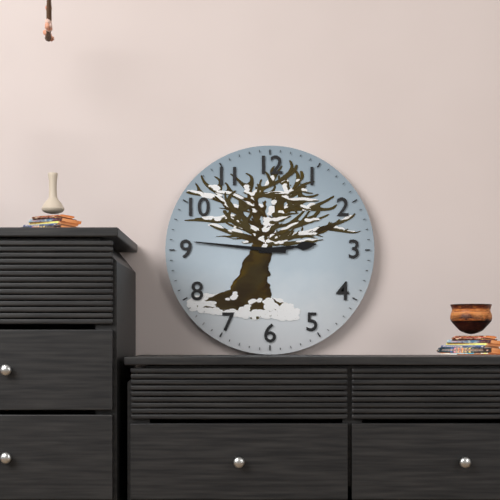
2:46
